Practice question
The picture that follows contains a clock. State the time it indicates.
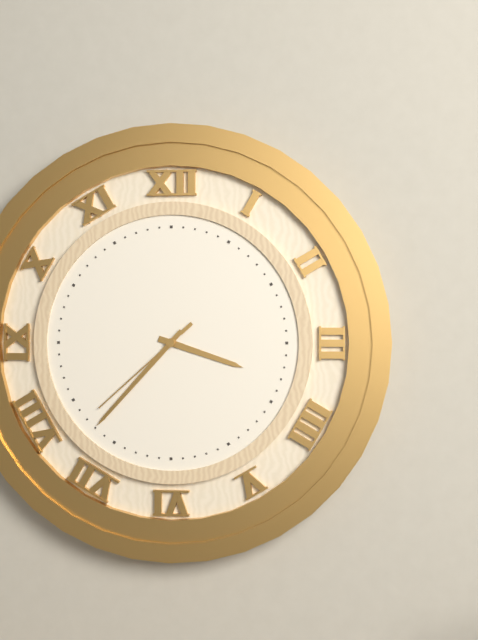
3:37:38
